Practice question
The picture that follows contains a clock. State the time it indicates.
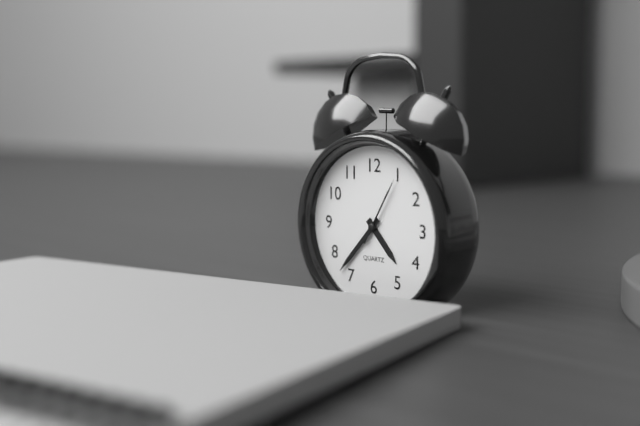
4:37:05
